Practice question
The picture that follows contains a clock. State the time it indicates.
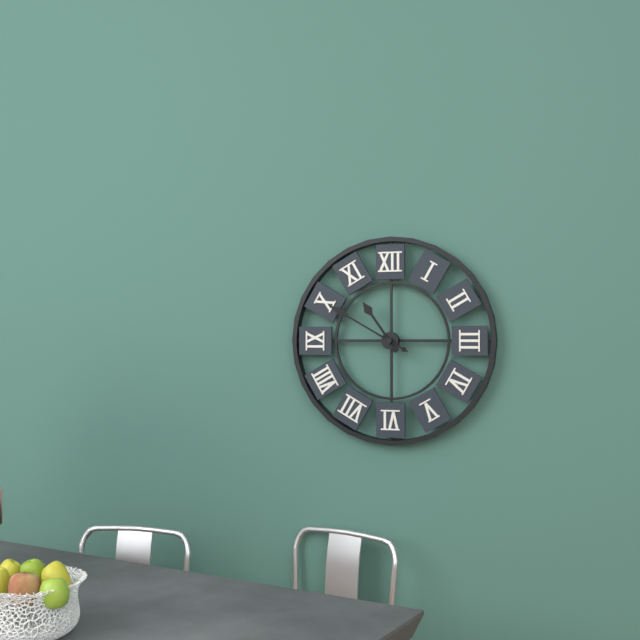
10:50
